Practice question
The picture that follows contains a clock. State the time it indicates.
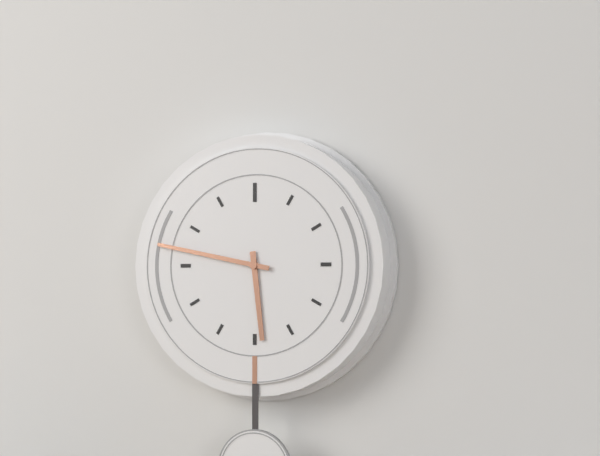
5:47
